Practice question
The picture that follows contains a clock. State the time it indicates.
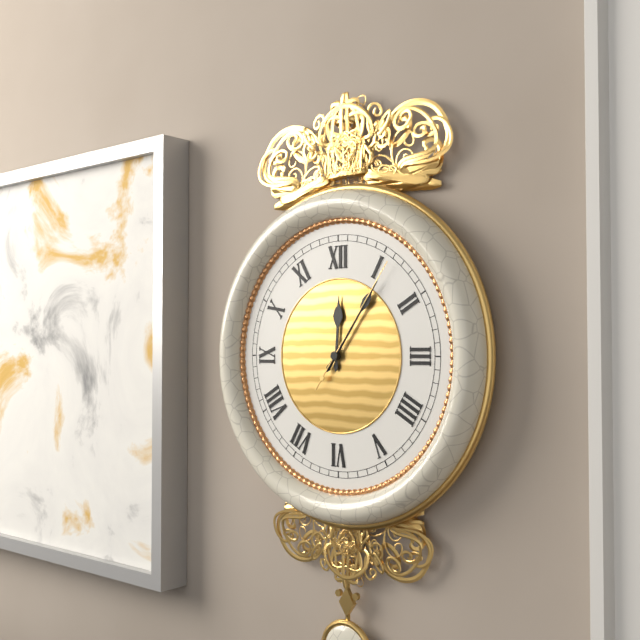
12:06:06
